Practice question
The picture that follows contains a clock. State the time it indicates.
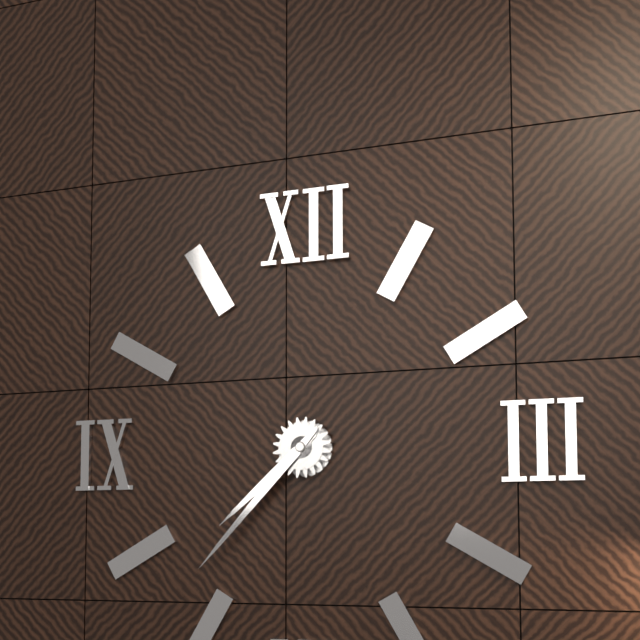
7:37
